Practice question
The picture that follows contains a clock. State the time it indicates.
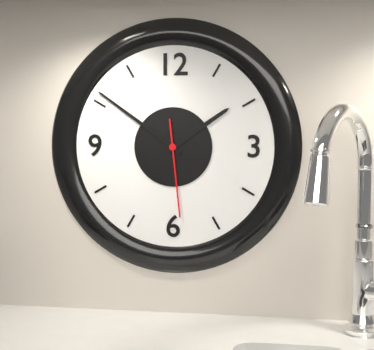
1:51:29
